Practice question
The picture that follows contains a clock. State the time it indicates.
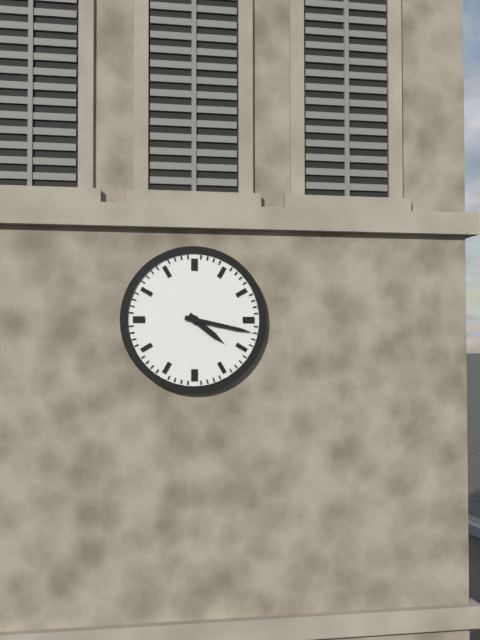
4:17
